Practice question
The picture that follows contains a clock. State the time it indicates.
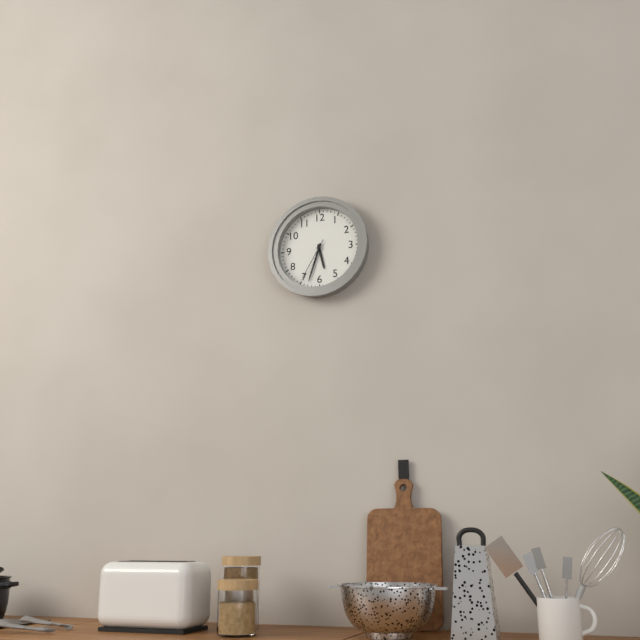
5:33
